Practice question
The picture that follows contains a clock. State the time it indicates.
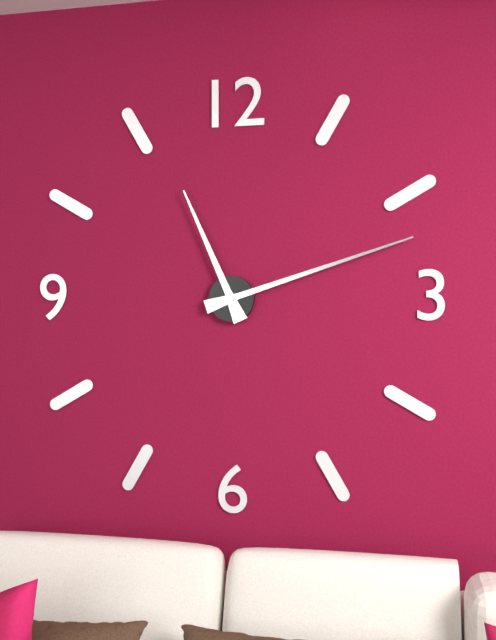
11:12
